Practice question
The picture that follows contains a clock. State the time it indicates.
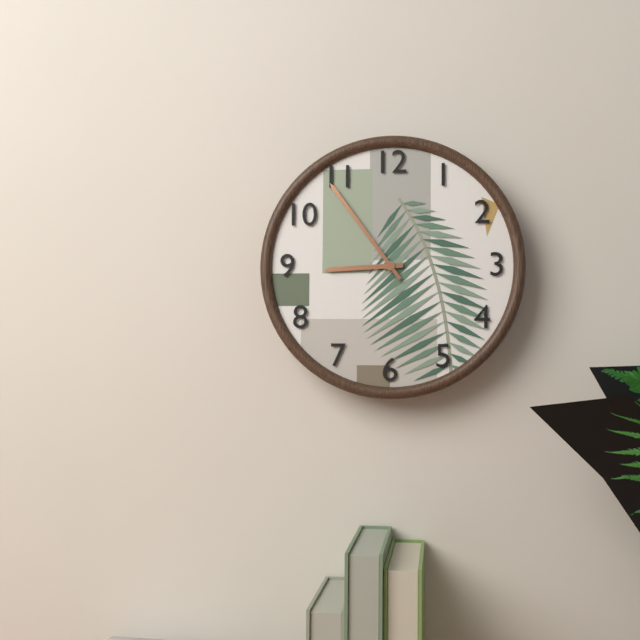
8:54
